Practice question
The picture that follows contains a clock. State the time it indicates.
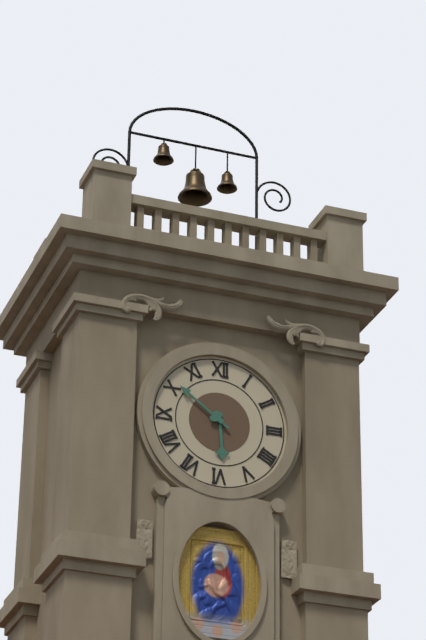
5:51
